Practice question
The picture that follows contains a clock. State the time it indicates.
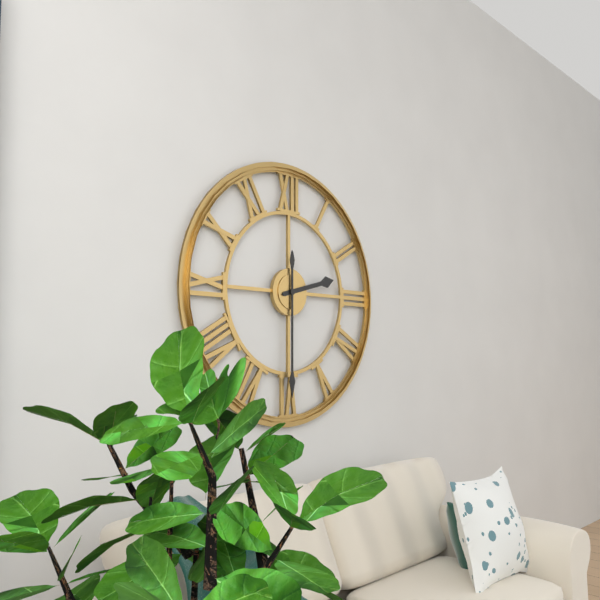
2:30
